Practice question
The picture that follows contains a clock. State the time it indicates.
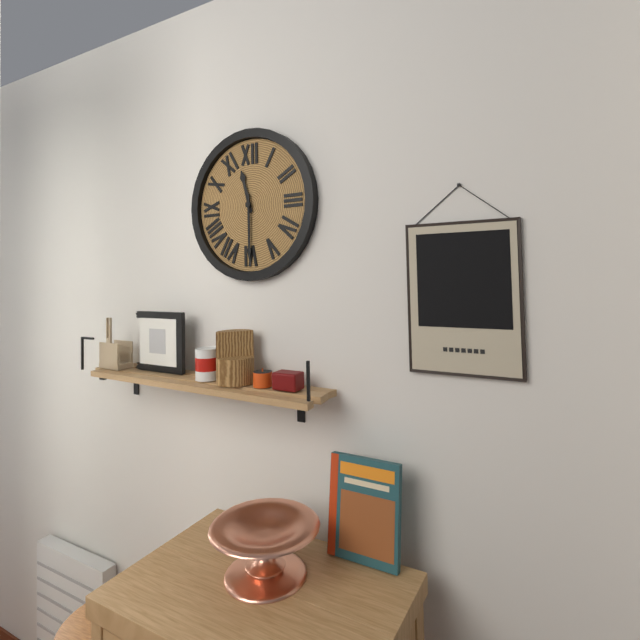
11:30
